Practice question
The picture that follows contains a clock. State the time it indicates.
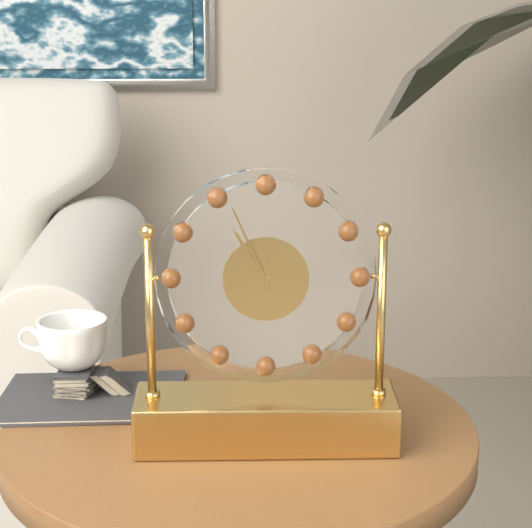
10:56
